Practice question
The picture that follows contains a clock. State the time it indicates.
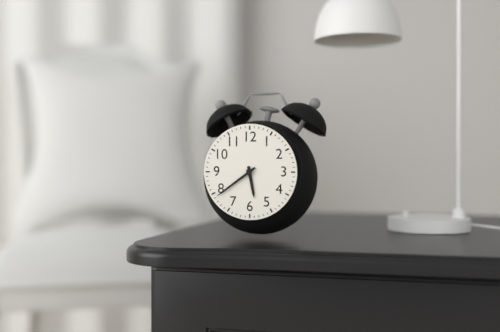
5:39
